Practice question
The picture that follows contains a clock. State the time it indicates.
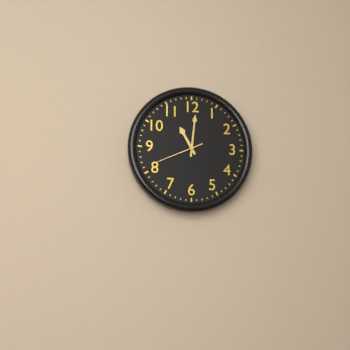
11:01
